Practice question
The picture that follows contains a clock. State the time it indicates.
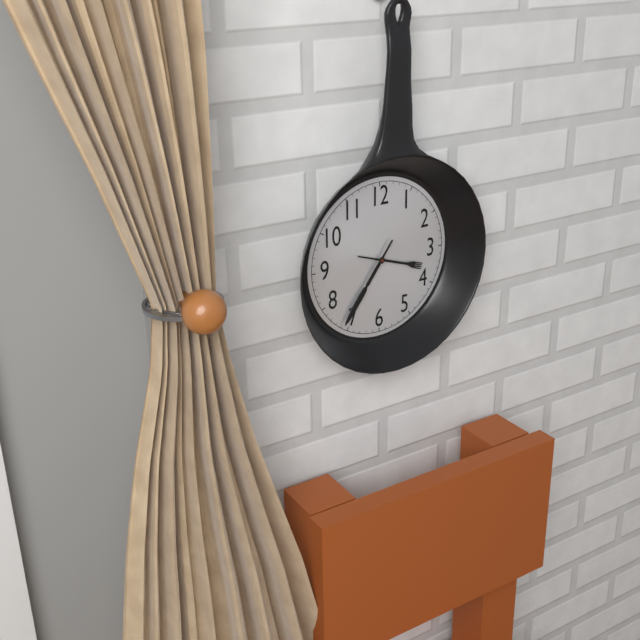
3:36
